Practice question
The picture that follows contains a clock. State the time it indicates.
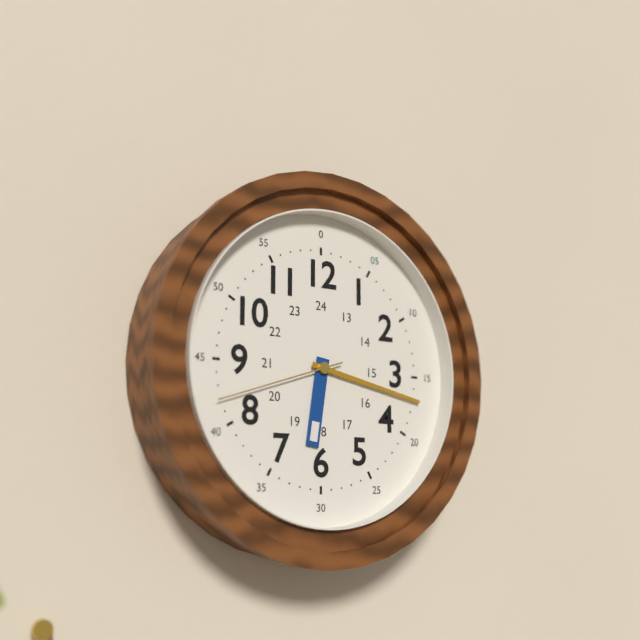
6:17:42
